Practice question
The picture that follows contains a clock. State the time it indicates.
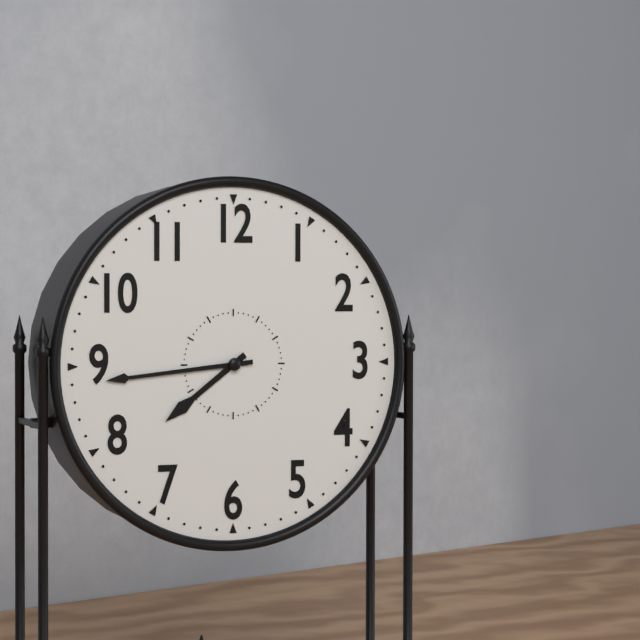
7:44
